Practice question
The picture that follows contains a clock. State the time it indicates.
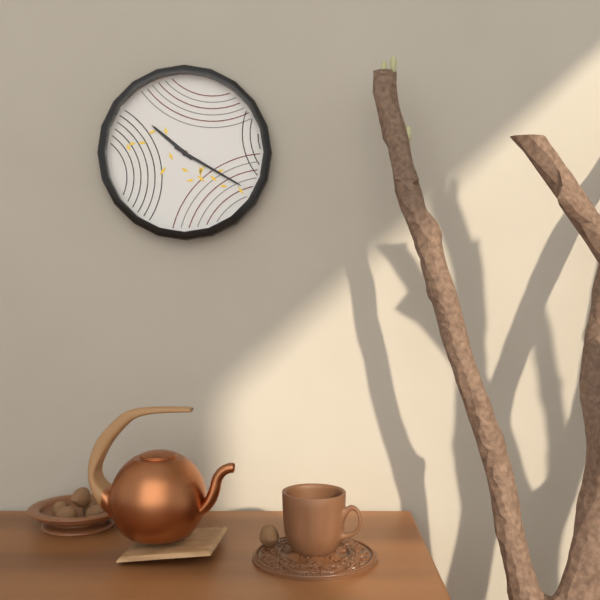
10:20
